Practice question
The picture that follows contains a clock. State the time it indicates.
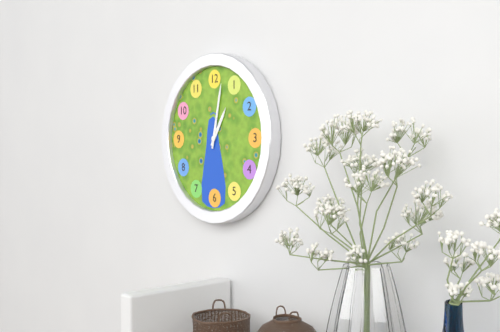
1:02
